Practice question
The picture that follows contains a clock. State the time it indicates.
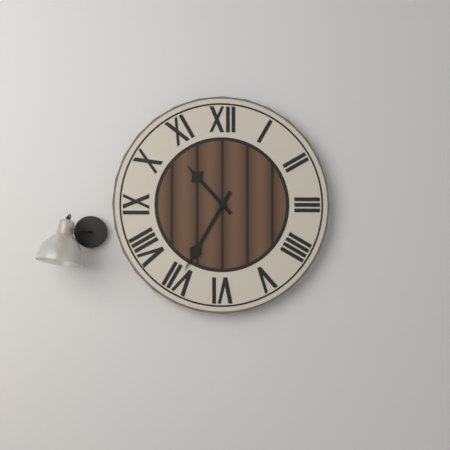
10:35
